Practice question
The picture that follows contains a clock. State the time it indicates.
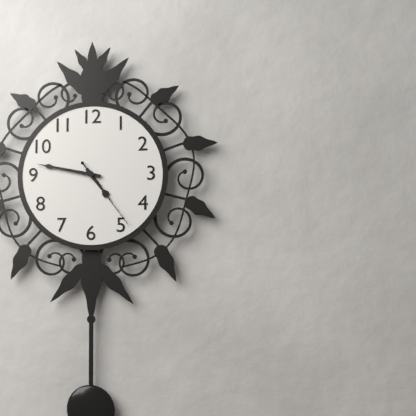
4:47:24
